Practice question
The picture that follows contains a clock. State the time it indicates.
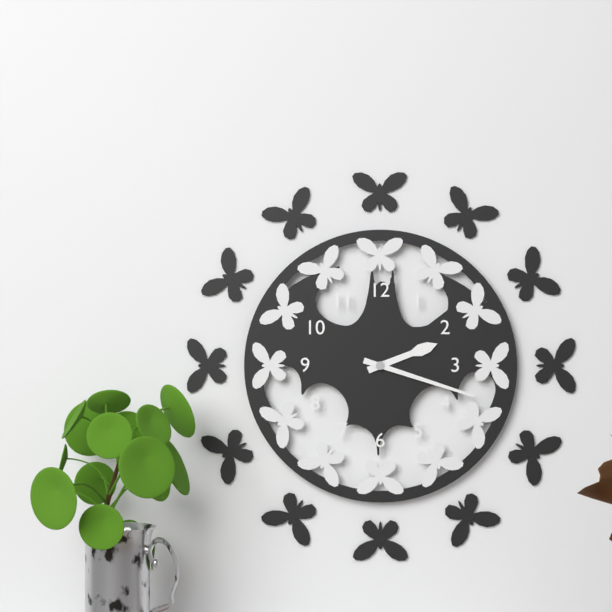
2:18
